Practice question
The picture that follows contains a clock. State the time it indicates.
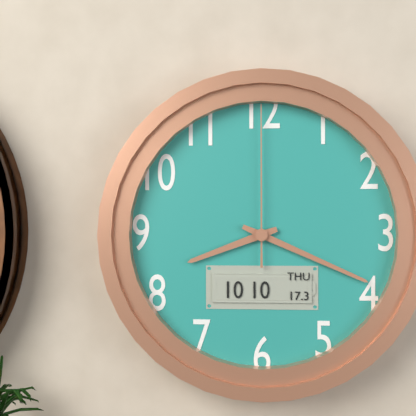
8:19:00
